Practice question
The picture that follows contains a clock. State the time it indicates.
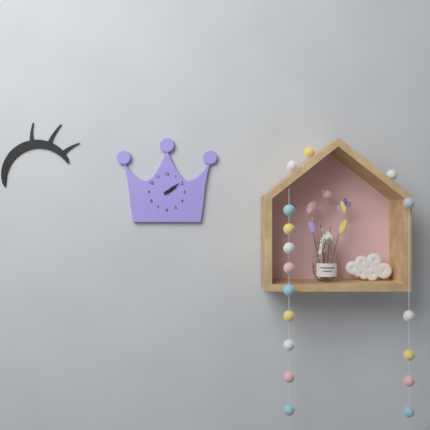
2:09
